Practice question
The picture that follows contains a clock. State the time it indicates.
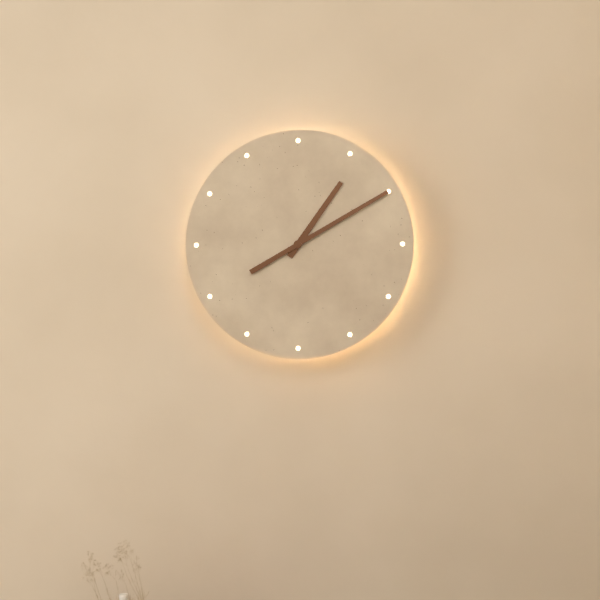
1:10
